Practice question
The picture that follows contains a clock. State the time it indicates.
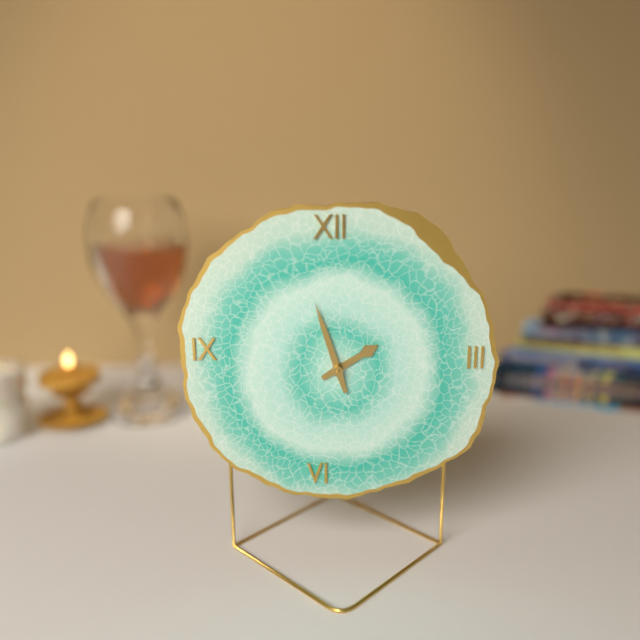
1:57
